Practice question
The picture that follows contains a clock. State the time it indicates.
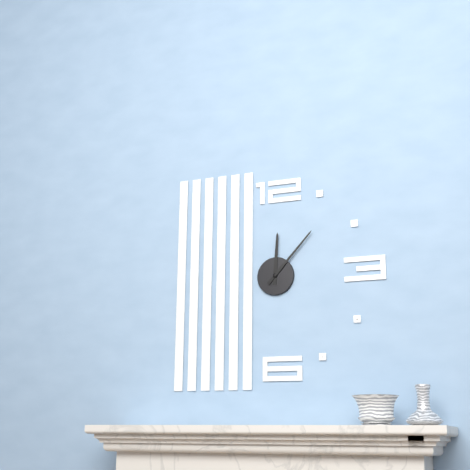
12:07
